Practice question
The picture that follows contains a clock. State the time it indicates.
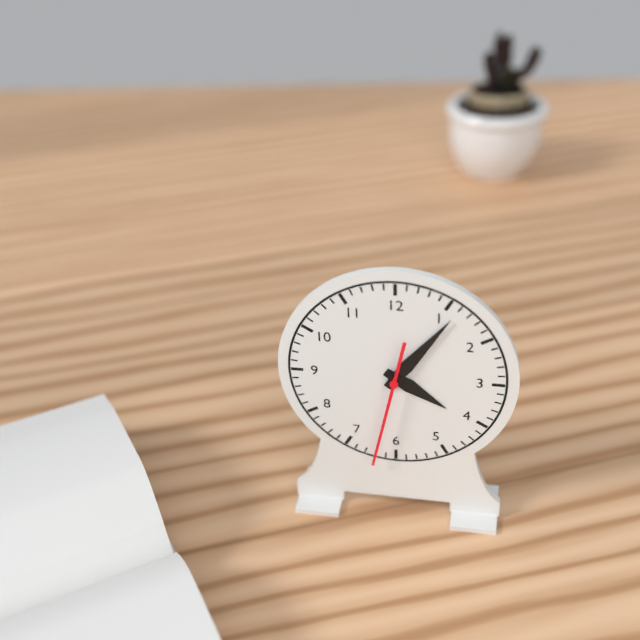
4:06:32
